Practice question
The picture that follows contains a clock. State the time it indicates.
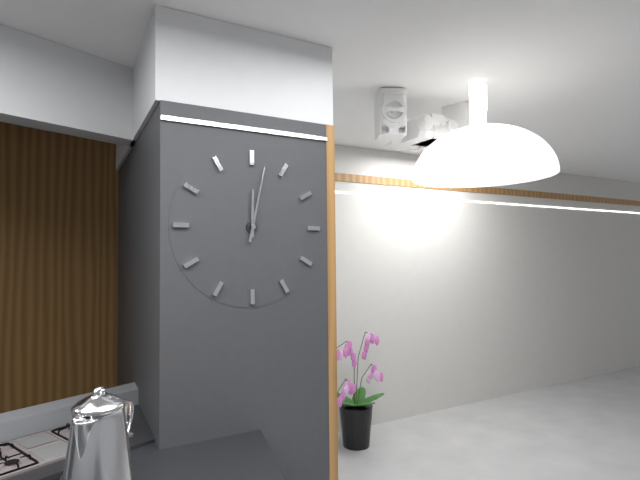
12:02
